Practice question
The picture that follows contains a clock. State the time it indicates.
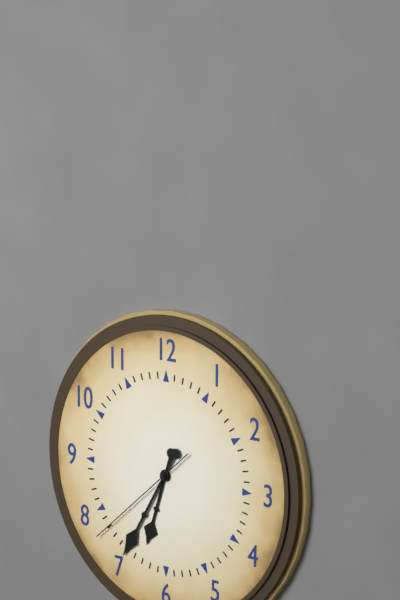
6:35:38
